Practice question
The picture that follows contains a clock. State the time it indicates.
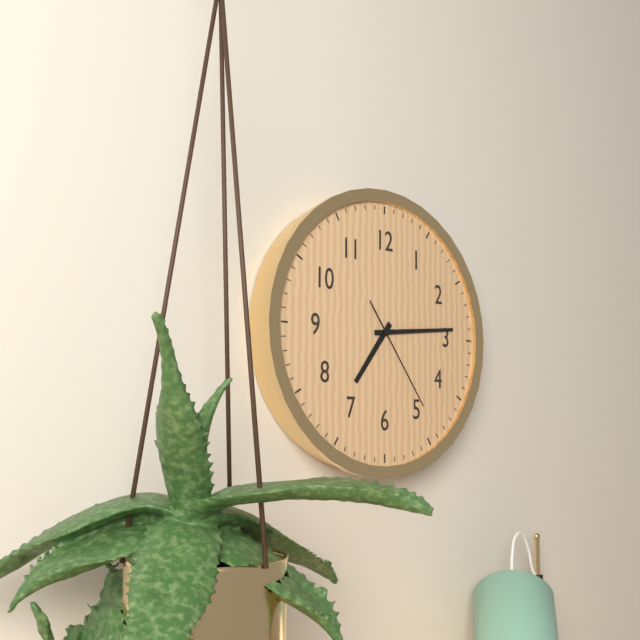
7:14:24
